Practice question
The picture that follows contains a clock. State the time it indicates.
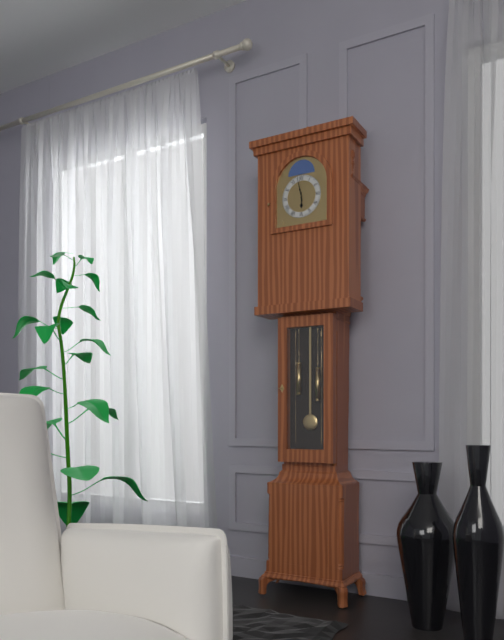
5:58
